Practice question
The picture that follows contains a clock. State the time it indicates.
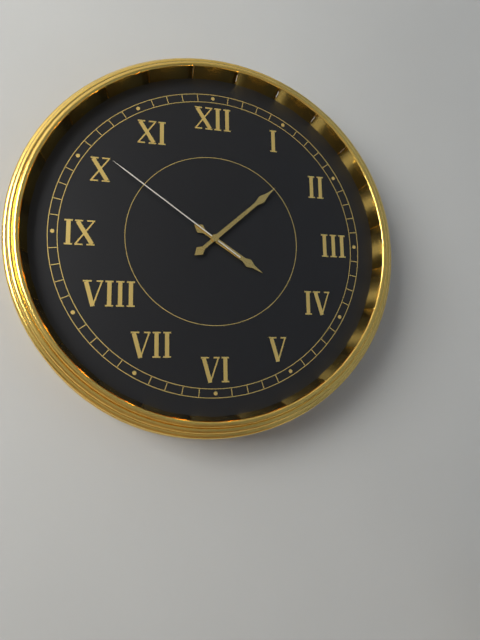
4:08:51
